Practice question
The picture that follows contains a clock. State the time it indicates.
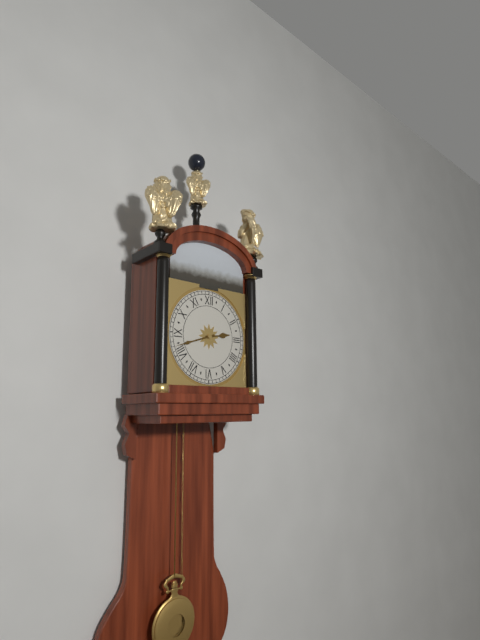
2:42
